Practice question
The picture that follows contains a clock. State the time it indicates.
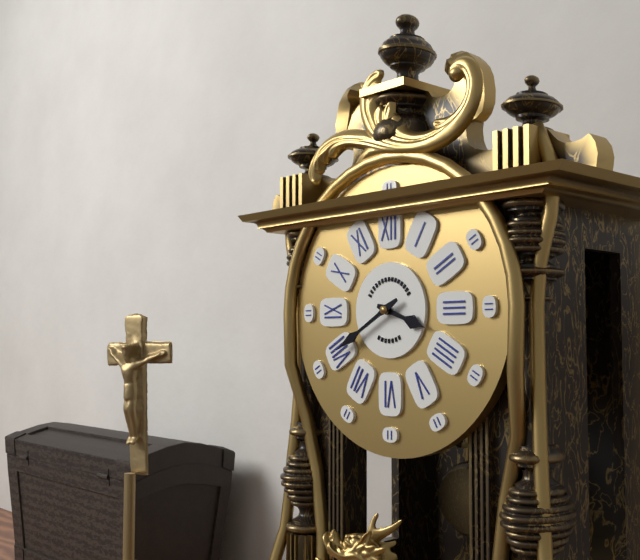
3:40
